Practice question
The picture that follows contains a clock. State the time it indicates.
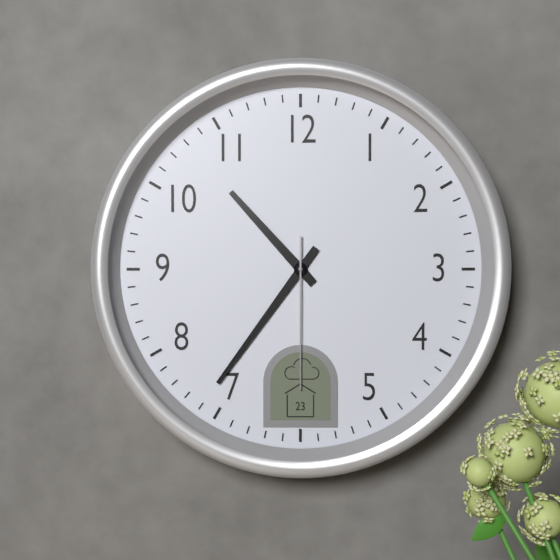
10:36:30
